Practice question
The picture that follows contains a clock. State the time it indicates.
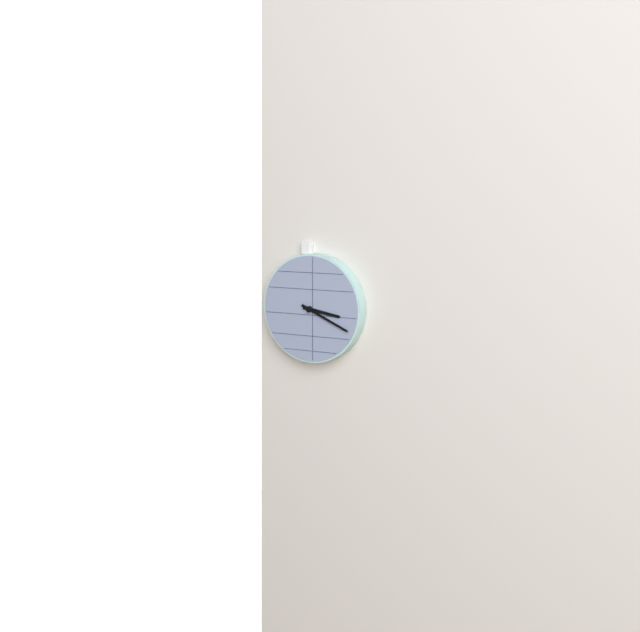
3:19
